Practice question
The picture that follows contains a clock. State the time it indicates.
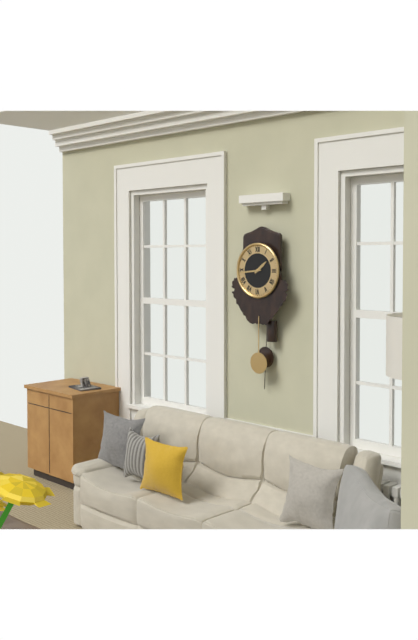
1:44
